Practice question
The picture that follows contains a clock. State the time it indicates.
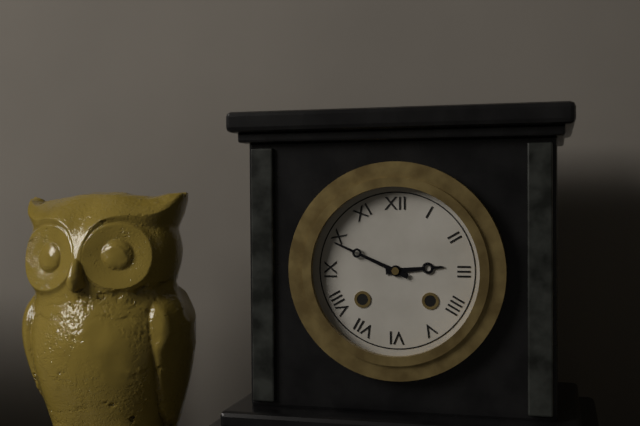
2:49
